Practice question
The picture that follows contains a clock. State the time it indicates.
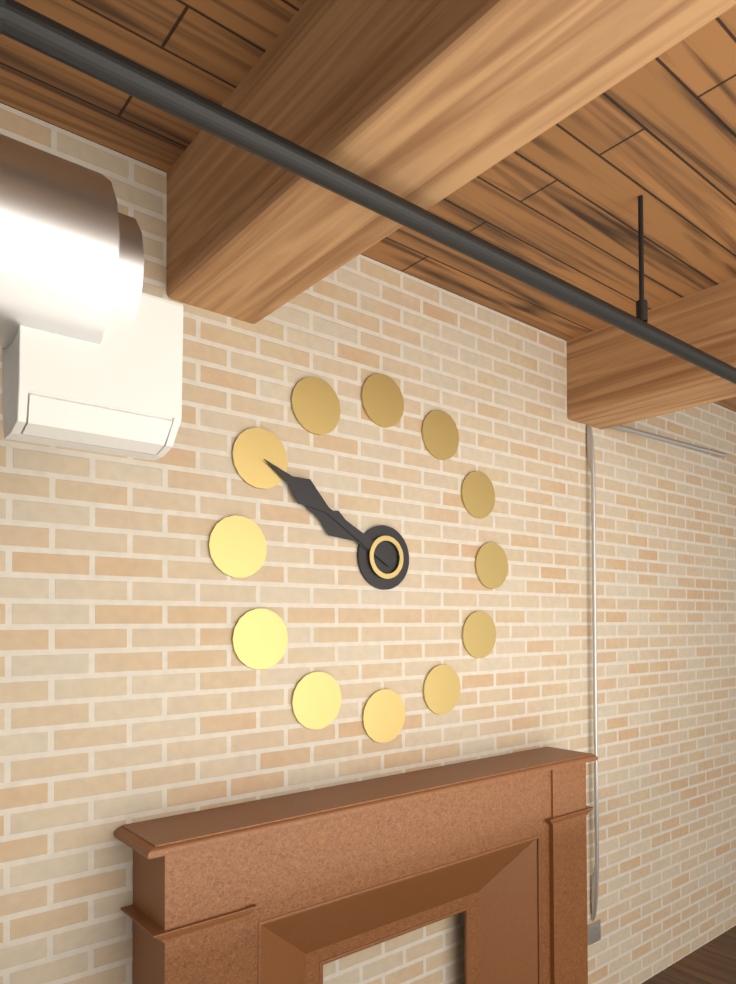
9:50
